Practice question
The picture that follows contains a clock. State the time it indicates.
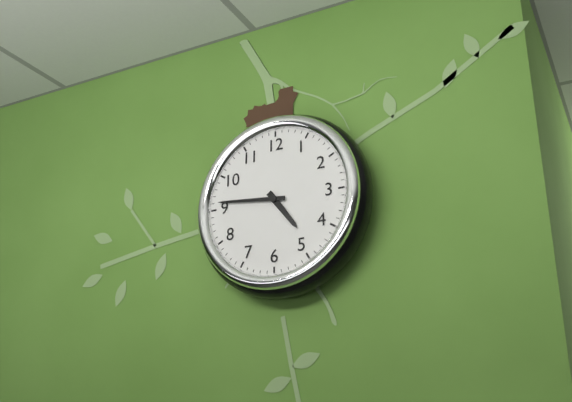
4:46
